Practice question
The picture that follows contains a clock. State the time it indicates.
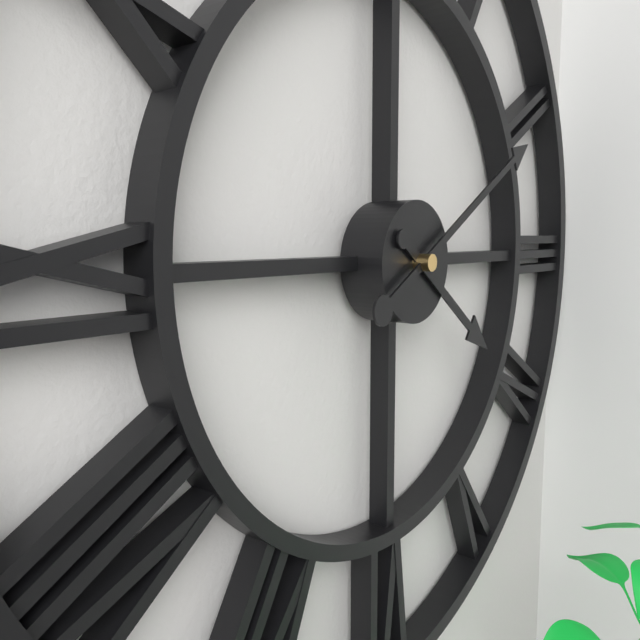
4:10
